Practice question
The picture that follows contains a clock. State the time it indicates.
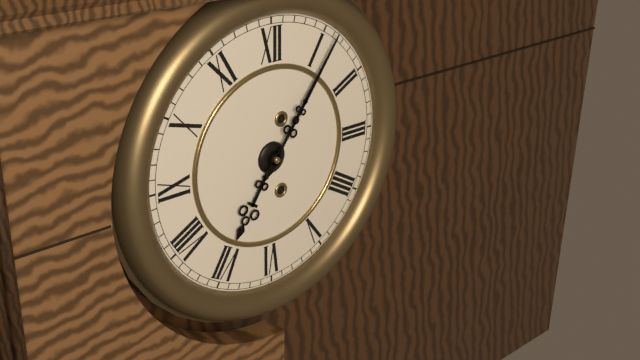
7:06
